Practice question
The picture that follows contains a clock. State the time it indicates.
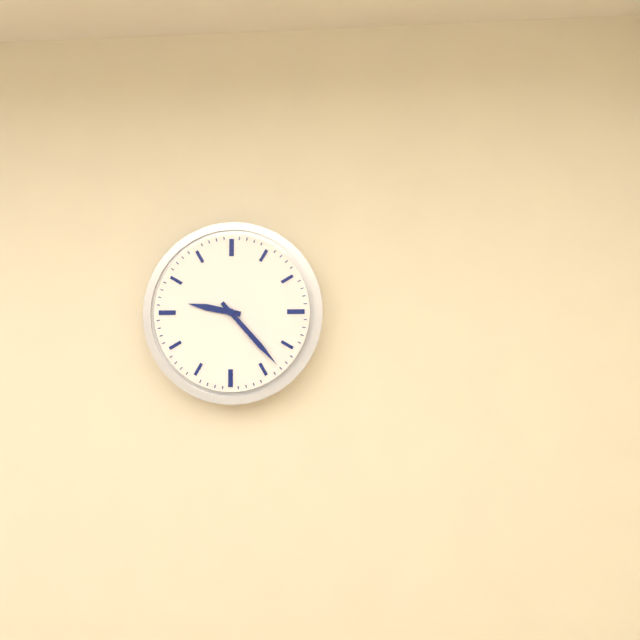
9:23
